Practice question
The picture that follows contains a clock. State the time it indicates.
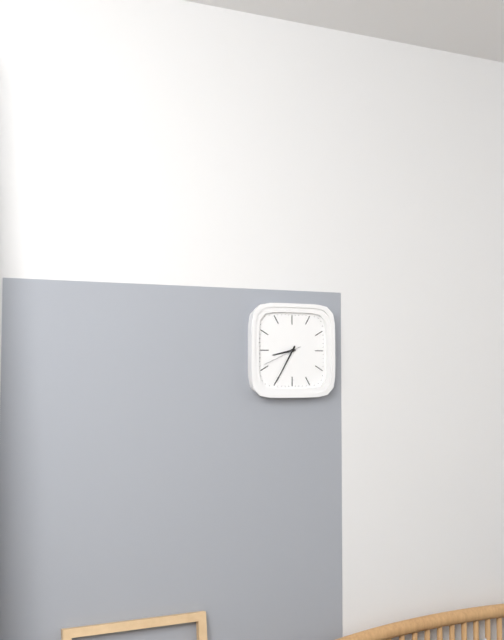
8:35
